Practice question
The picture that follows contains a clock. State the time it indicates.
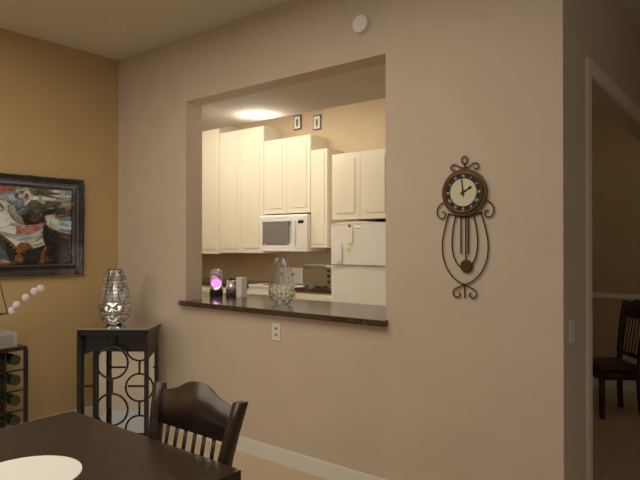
1:59
